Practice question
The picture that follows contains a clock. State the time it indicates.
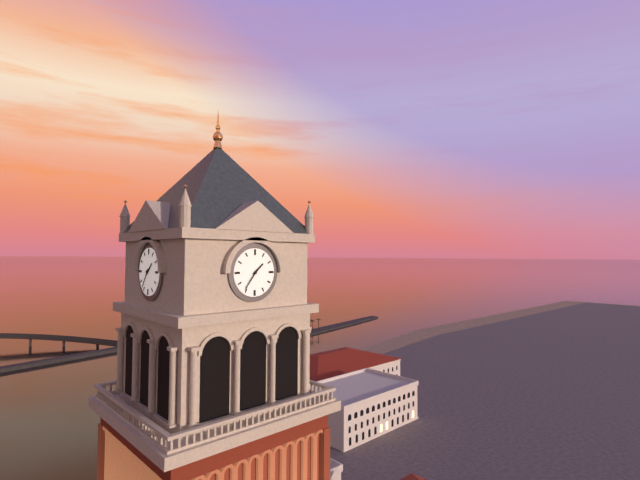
1:36
